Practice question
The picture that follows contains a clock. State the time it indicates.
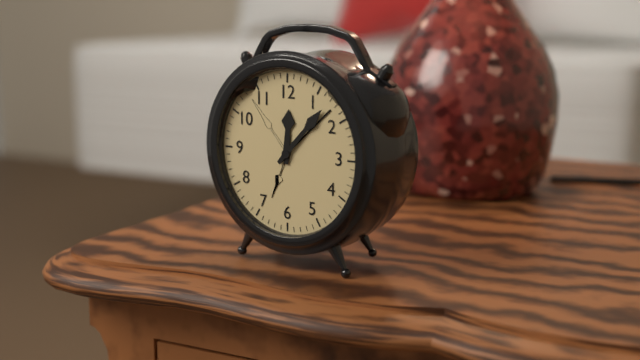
12:07
